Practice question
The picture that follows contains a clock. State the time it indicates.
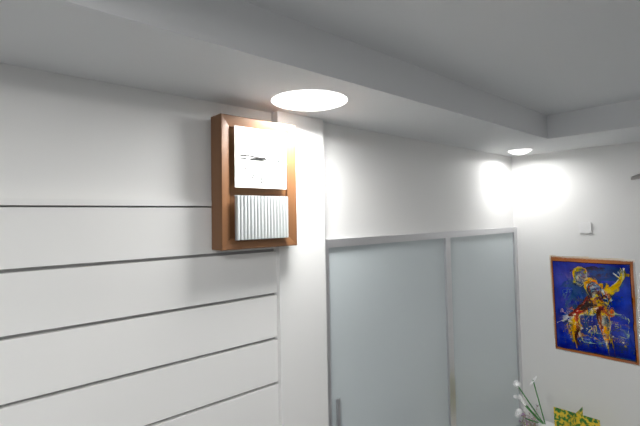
8:46
